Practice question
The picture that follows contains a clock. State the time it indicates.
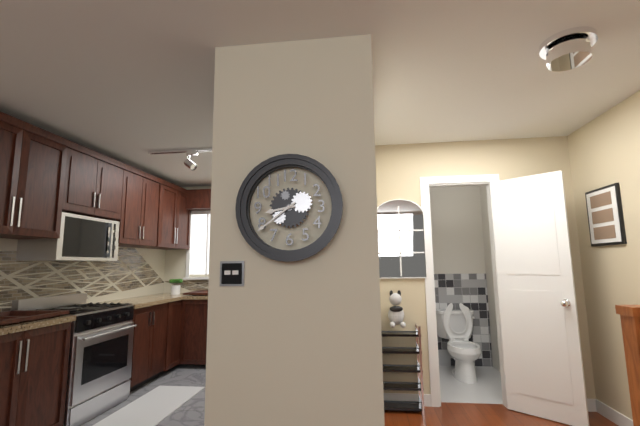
8:39
